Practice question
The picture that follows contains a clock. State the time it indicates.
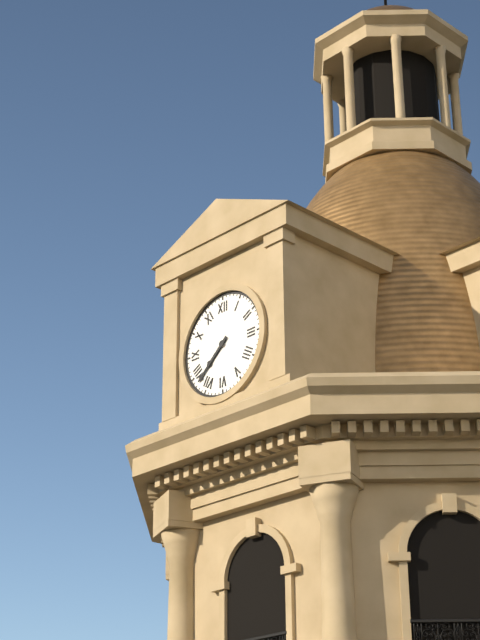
7:38
